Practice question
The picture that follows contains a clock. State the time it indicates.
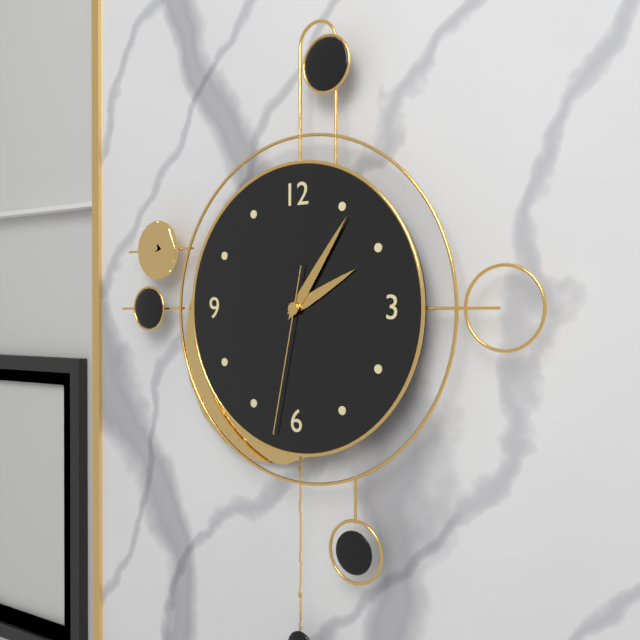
2:06:32
